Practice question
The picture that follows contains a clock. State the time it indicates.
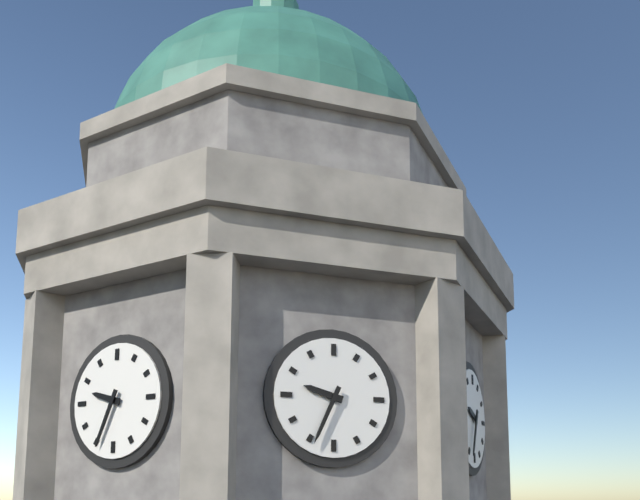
9:34
